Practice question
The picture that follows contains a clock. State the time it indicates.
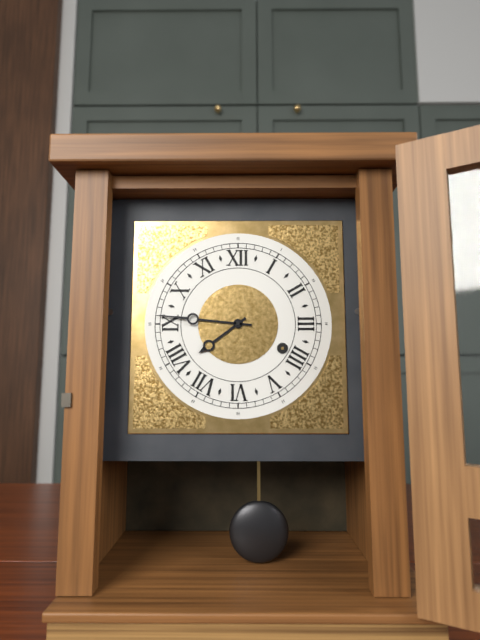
7:46
